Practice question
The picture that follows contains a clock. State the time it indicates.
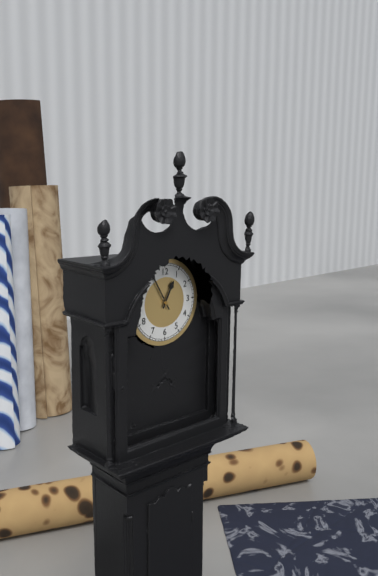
12:55
